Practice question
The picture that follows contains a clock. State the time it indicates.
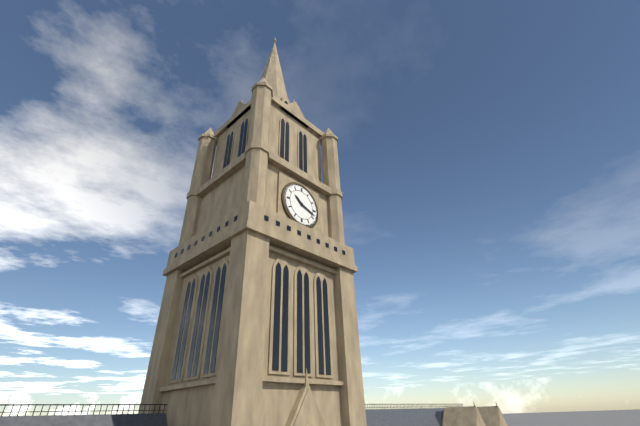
10:18
